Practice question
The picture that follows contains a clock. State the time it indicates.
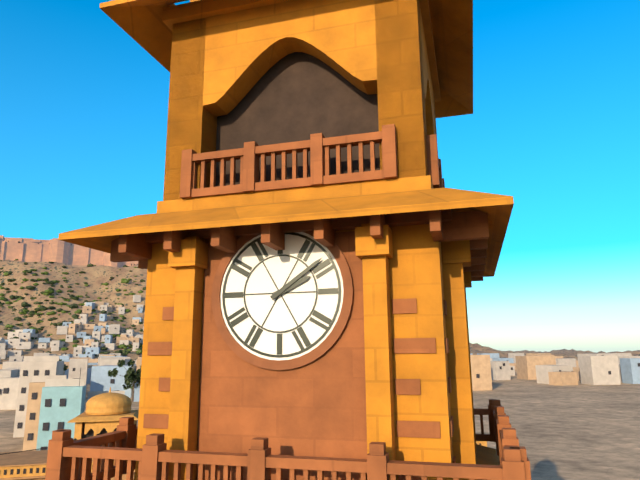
2:09
